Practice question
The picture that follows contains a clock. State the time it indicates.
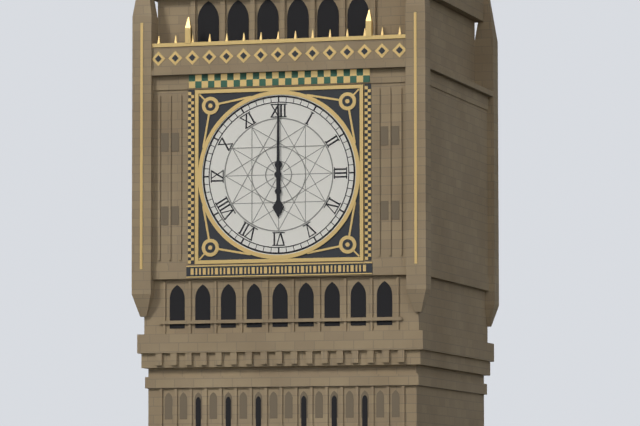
6:00
